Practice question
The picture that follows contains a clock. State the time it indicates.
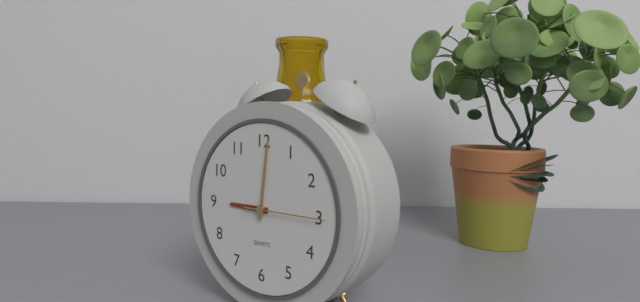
9:01:15
